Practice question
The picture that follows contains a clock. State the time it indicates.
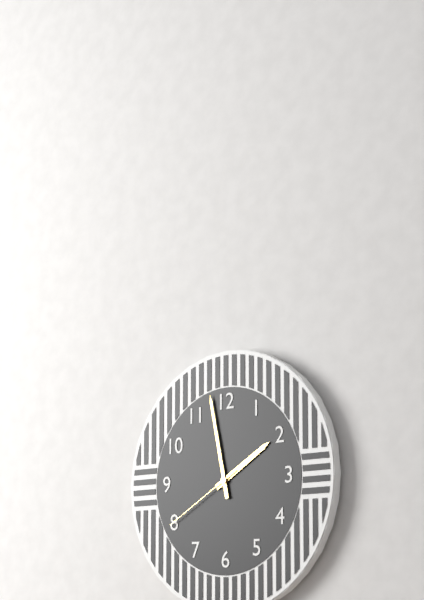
1:58:40
